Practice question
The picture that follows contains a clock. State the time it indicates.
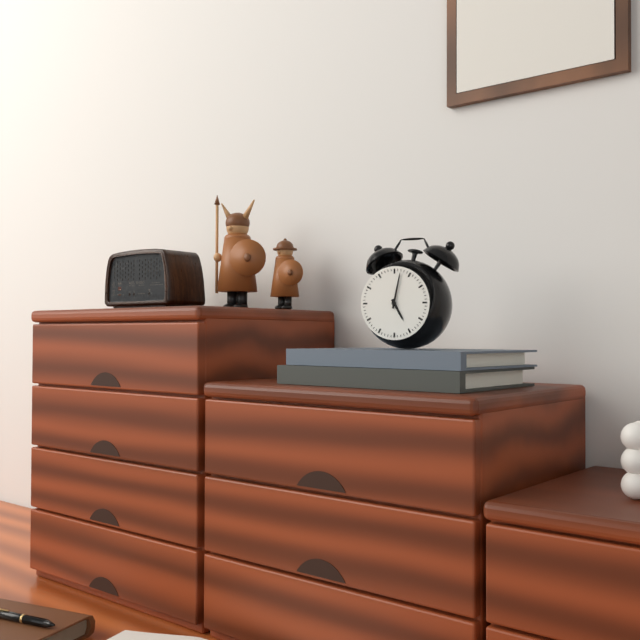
5:02
